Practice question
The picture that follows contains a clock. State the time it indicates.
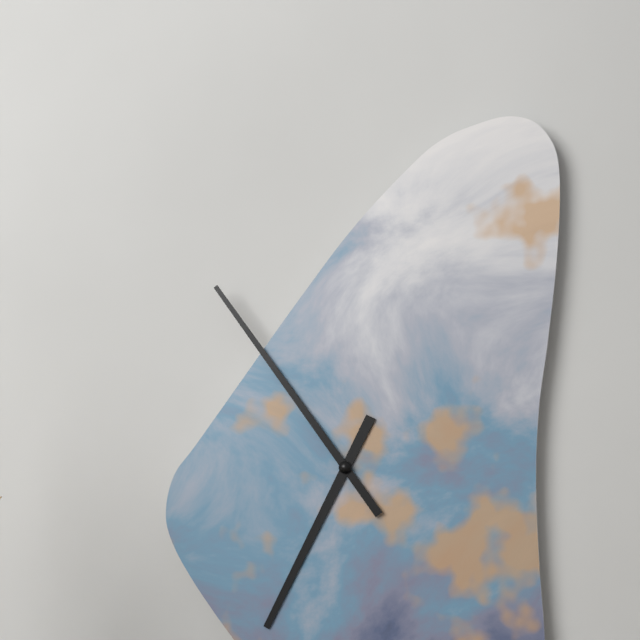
6:54
